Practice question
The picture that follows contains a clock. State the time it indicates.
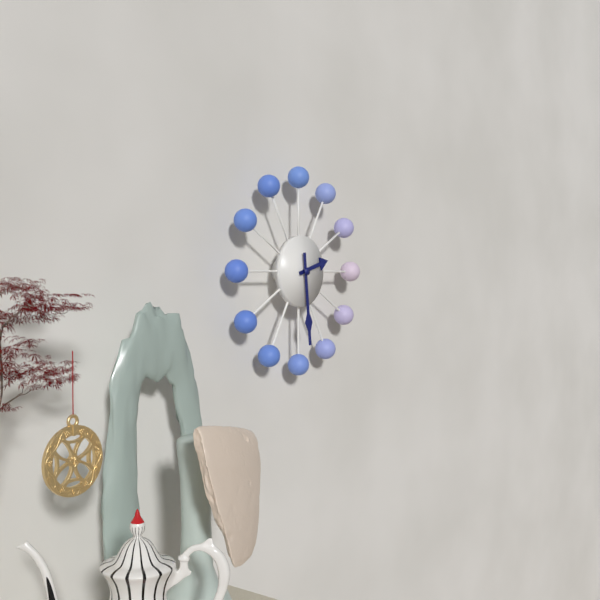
2:29
